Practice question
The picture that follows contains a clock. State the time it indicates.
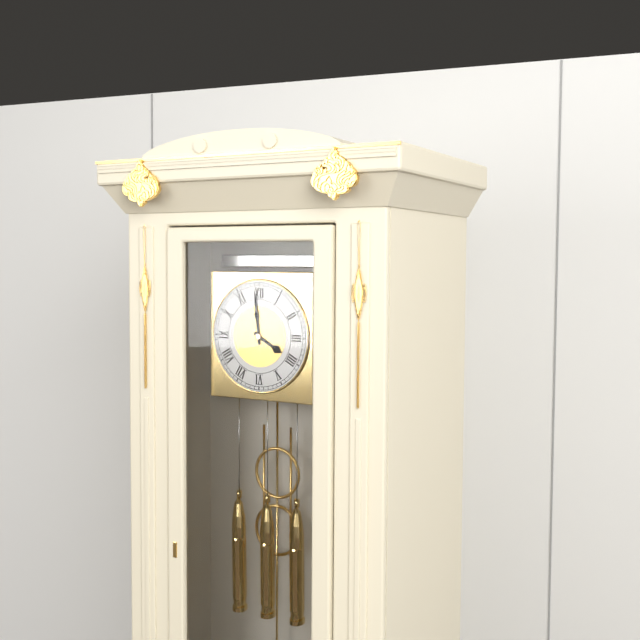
3:59
